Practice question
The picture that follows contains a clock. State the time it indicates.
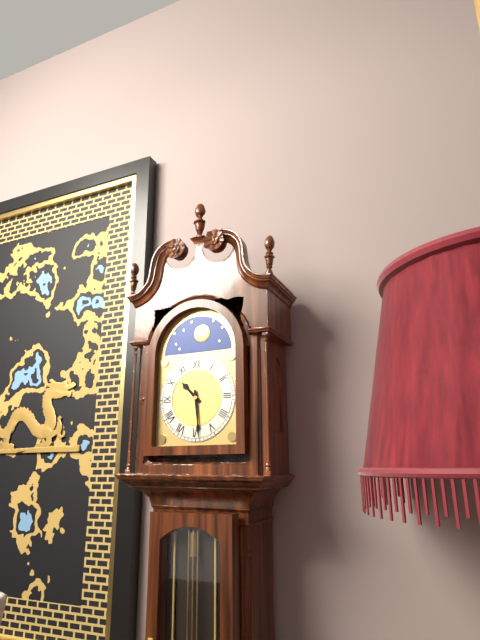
10:29
